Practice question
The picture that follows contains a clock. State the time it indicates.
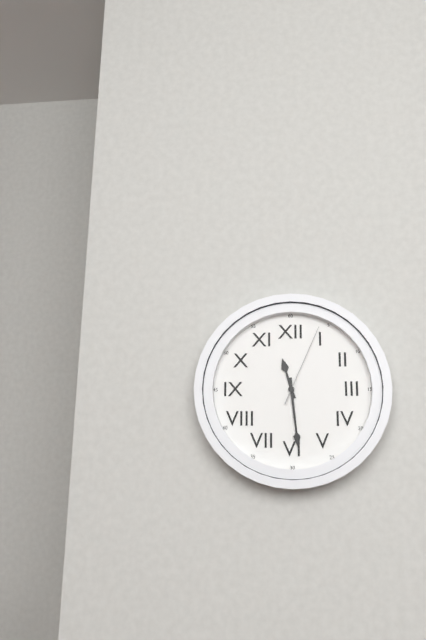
11:29:04
